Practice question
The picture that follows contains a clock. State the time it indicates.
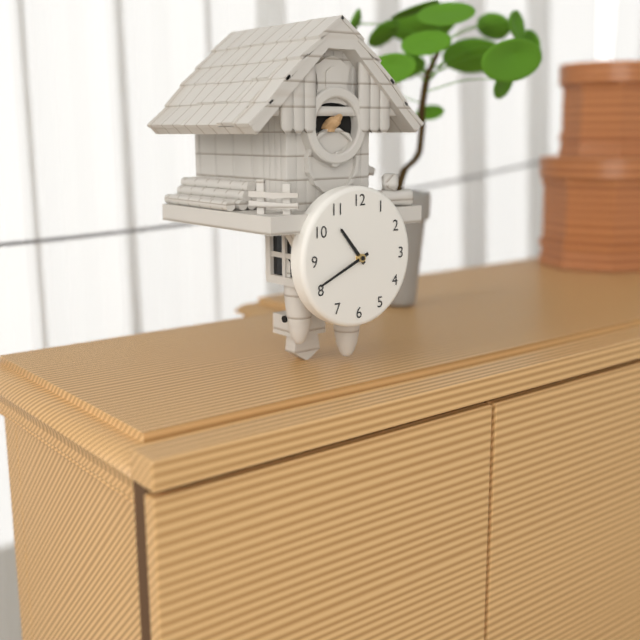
10:41
